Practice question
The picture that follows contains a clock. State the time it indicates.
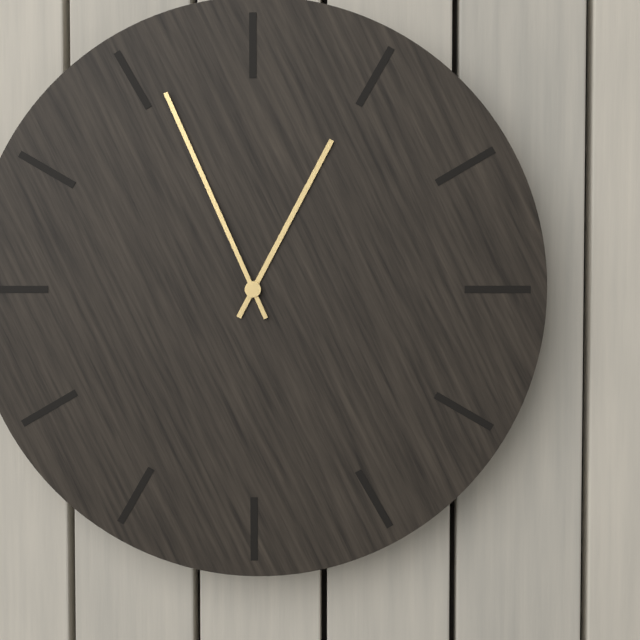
12:56
